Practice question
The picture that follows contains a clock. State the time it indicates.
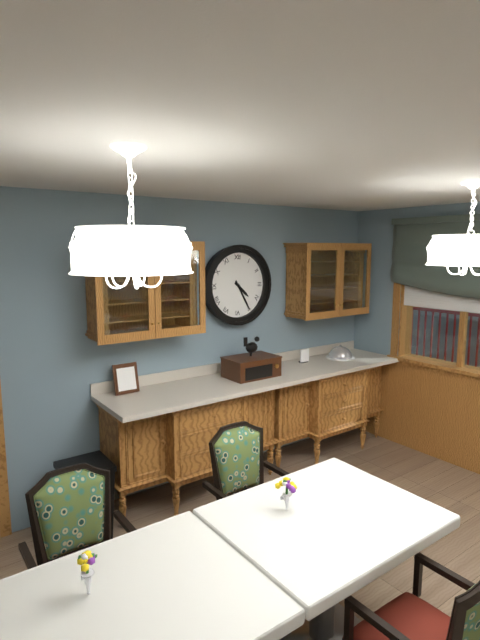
4:25
